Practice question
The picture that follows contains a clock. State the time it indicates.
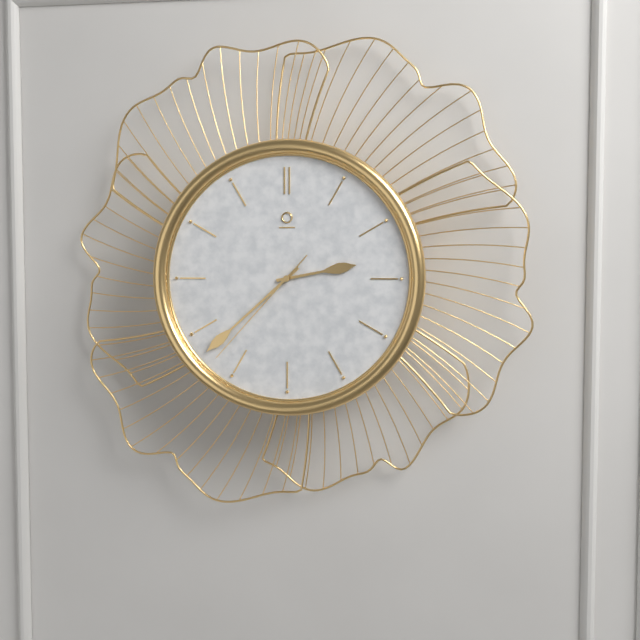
2:38:37
